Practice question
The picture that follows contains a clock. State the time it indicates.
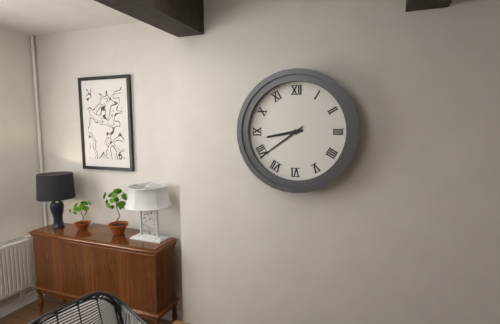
8:39
